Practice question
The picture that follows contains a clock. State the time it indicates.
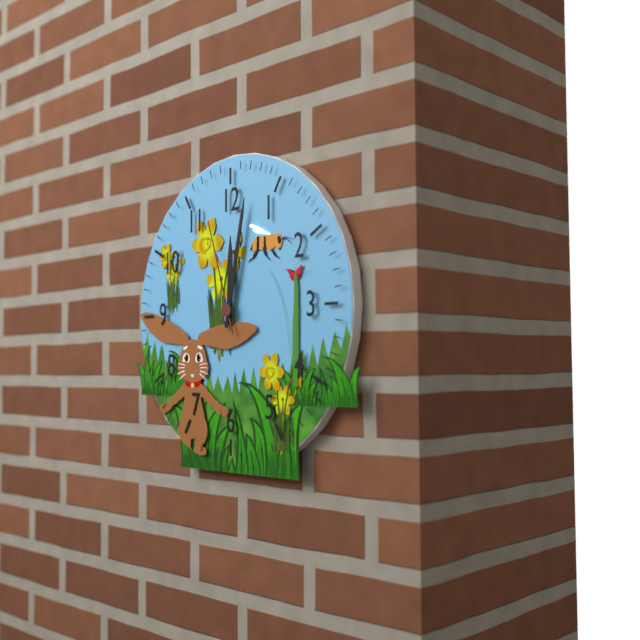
12:02:57
